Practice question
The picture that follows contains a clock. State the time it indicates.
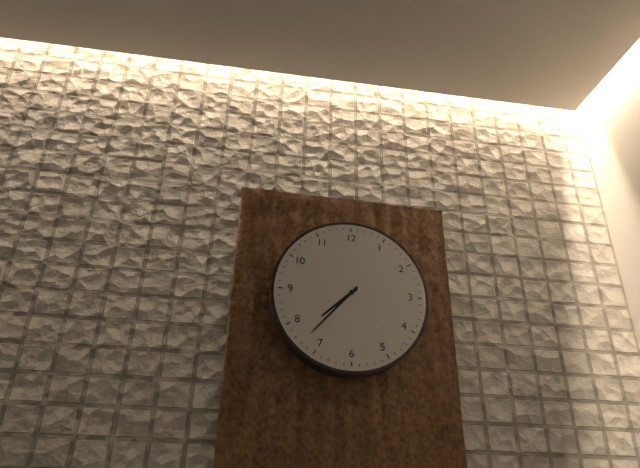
7:37
